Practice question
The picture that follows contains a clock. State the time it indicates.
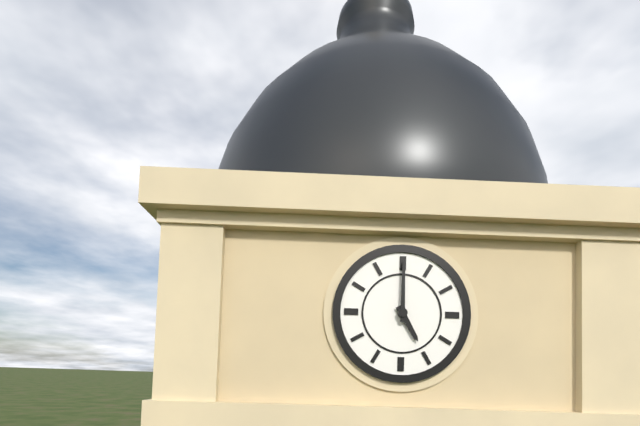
5:00
